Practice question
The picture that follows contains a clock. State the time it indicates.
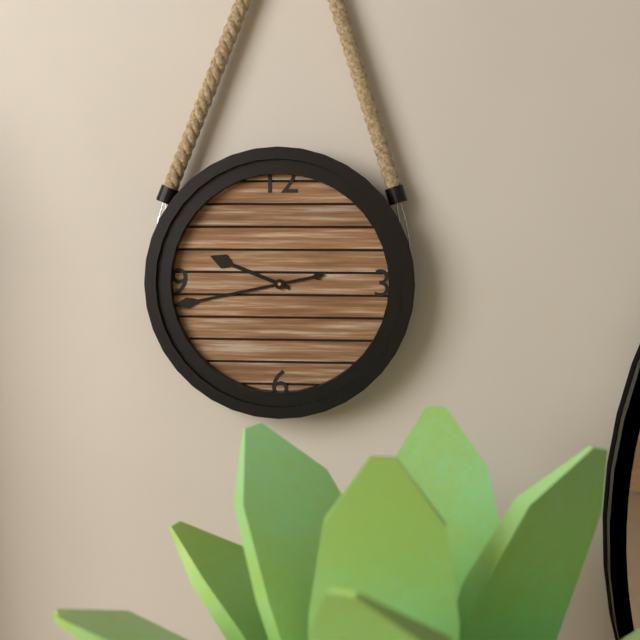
9:43
